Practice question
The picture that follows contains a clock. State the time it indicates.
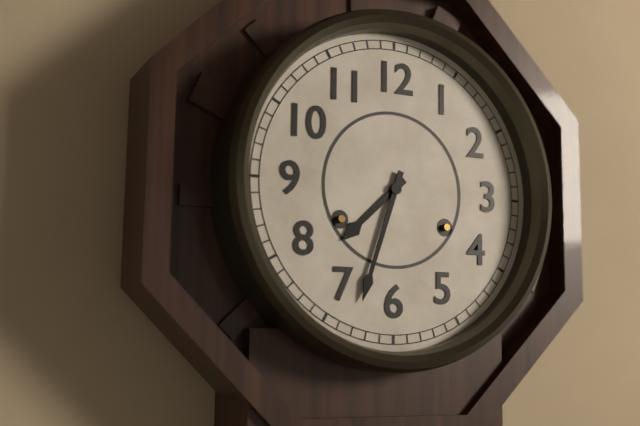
7:33
